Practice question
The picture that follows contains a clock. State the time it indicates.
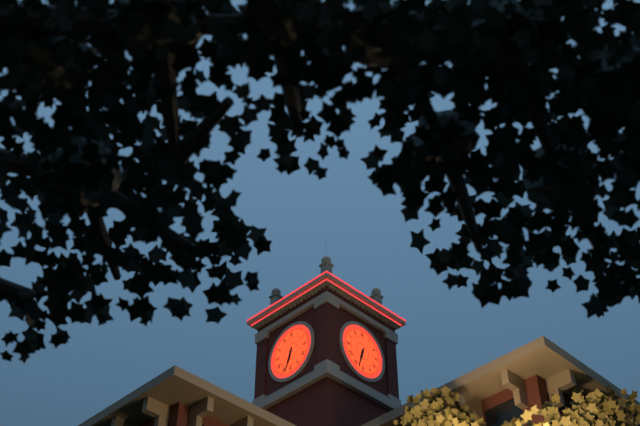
6:33
